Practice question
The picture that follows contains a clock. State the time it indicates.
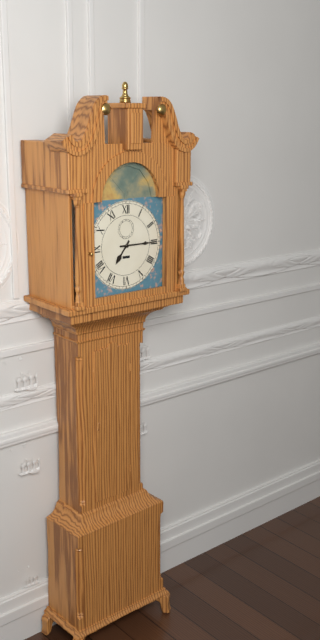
7:15
